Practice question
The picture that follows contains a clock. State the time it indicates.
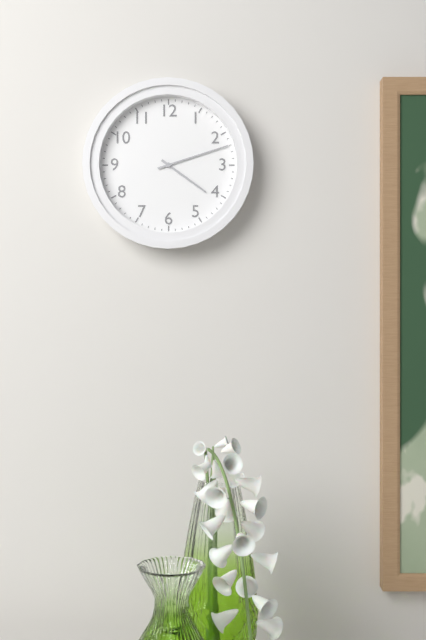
4:12
